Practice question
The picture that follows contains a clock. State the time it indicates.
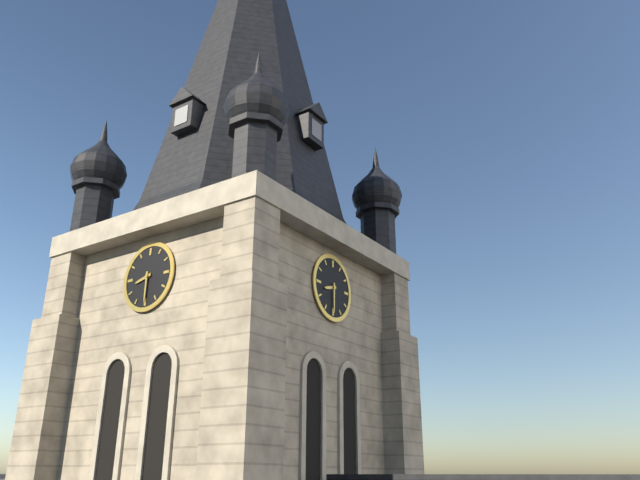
8:30
